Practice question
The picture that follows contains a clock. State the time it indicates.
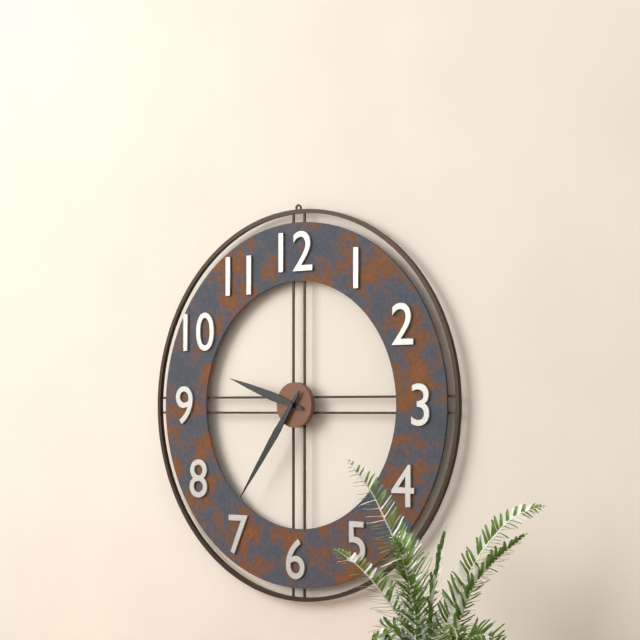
9:36
